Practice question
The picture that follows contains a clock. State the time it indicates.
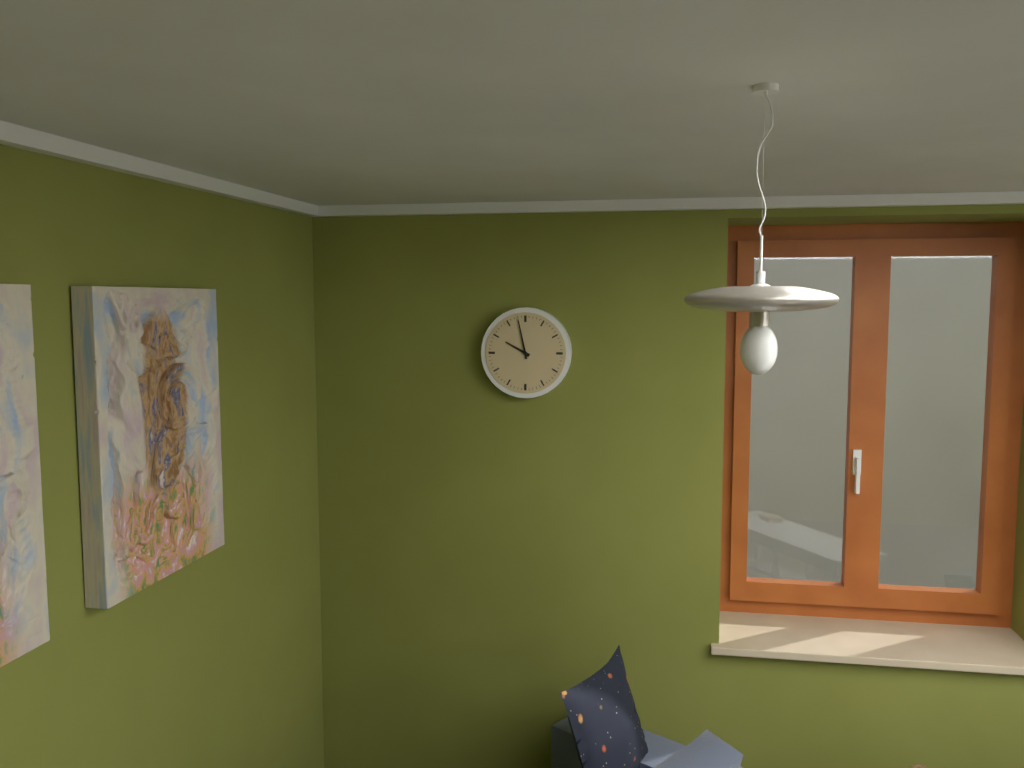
9:58
